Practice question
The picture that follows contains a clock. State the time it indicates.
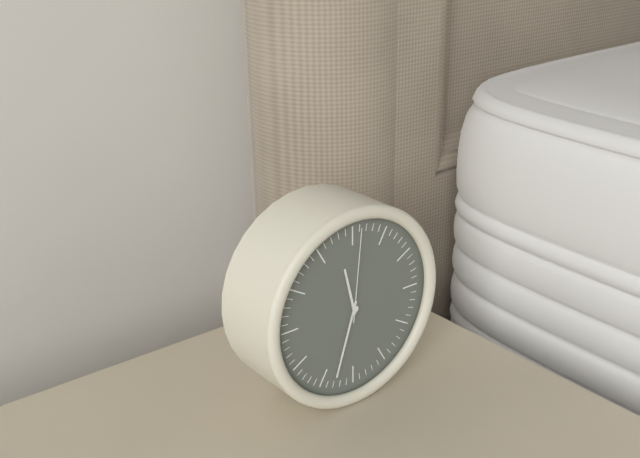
11:33:01
